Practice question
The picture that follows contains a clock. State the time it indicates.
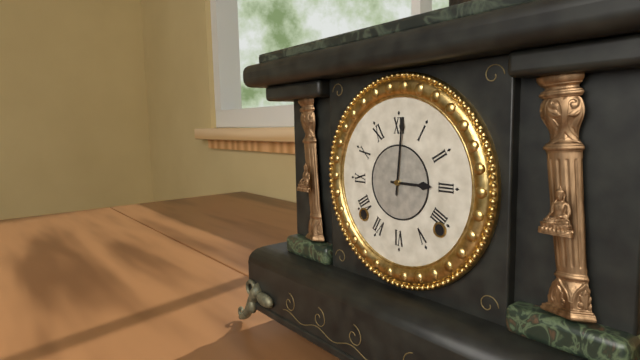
3:01
